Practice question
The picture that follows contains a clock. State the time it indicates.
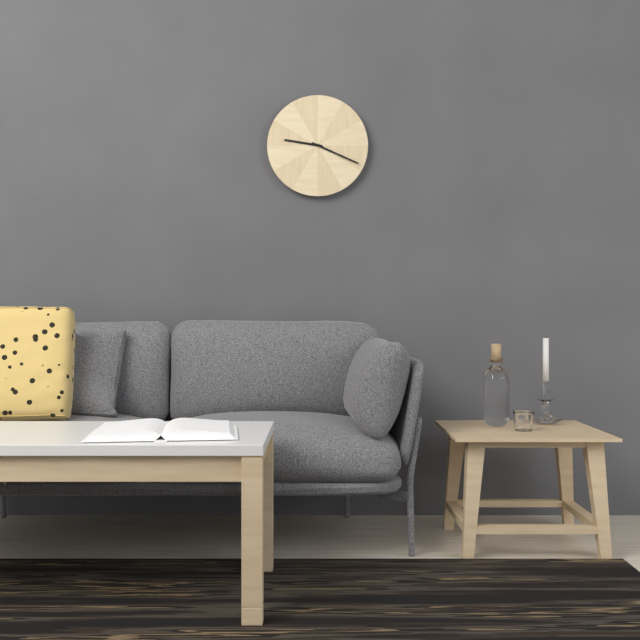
9:19
